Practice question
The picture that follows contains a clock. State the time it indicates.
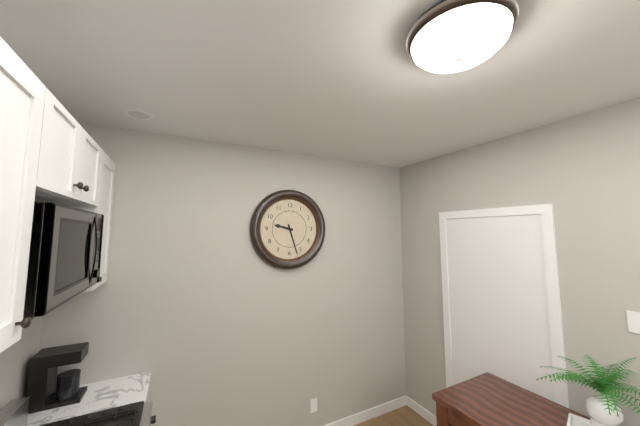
9:27
